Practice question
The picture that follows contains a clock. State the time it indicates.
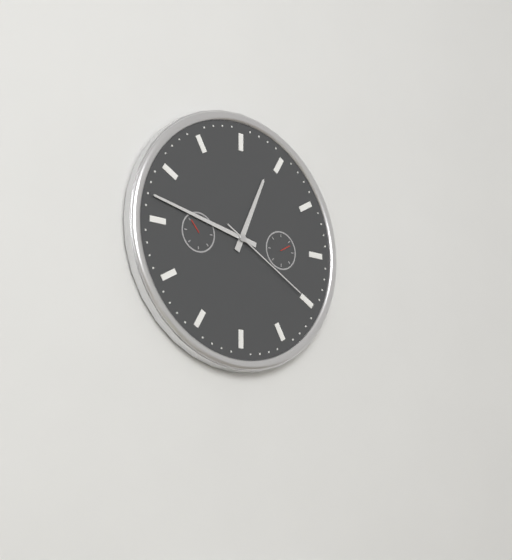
12:47:20
